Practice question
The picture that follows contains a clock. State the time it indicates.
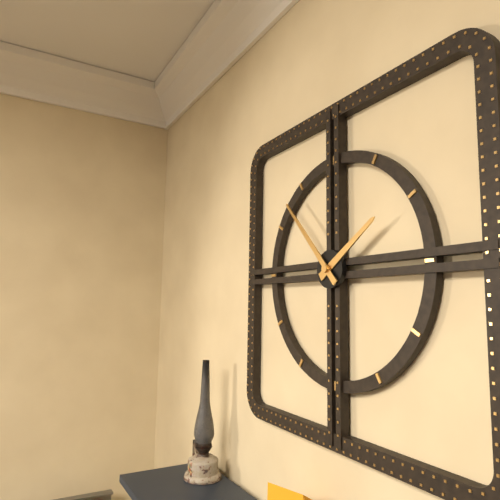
1:53
